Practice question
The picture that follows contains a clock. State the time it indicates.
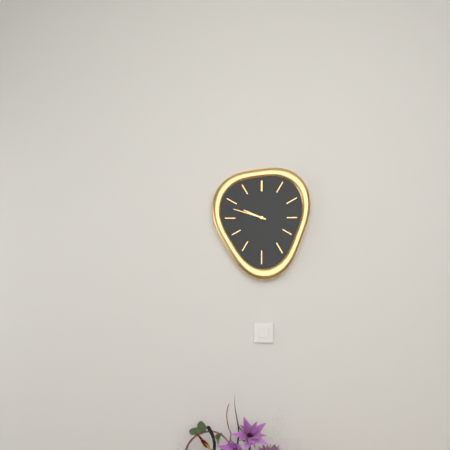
9:48
